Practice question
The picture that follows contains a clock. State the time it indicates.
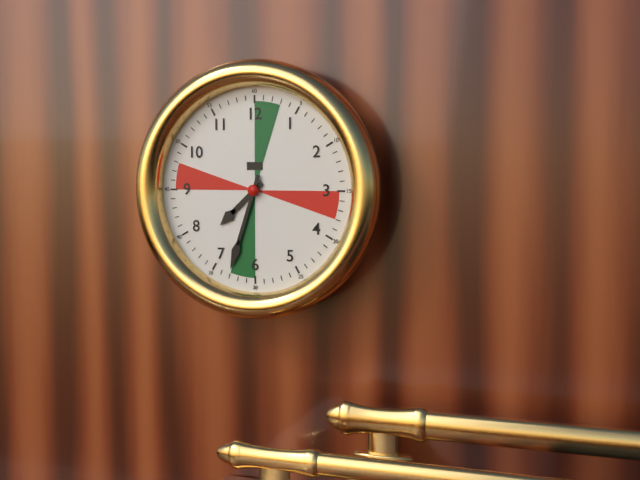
7:33
